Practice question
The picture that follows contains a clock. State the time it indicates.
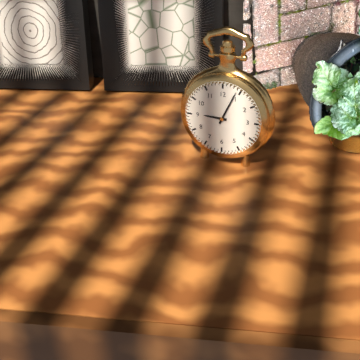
9:04
